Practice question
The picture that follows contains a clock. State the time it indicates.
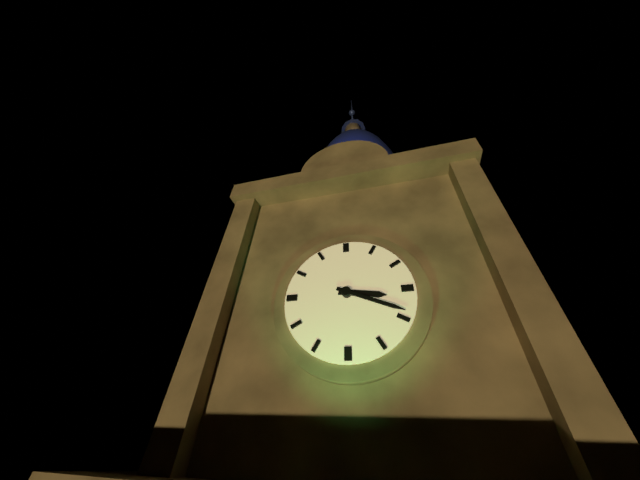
3:19
